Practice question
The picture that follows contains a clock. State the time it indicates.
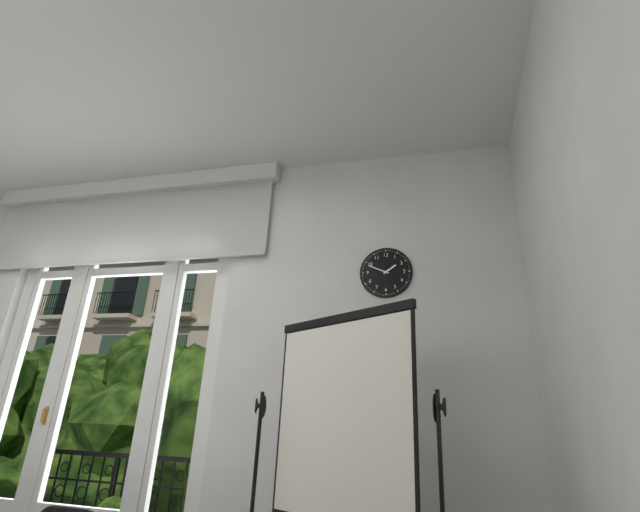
1:49
